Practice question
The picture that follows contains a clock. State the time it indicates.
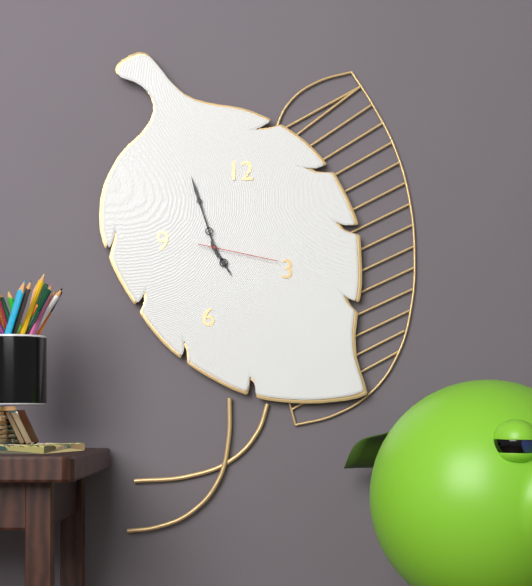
4:57:17
